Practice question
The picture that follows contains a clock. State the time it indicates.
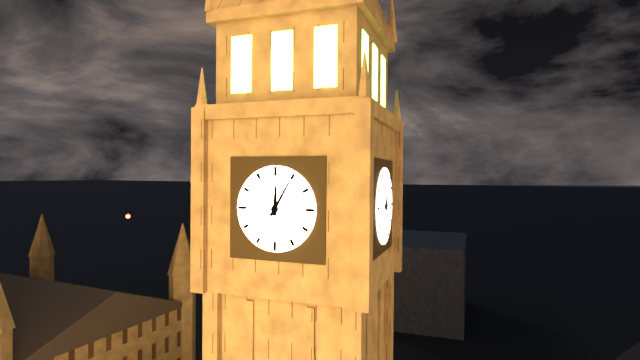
12:05
